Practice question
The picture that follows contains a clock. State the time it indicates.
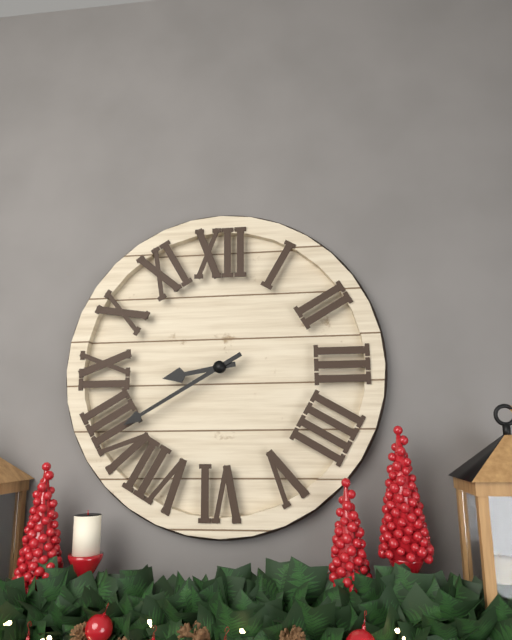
8:40
